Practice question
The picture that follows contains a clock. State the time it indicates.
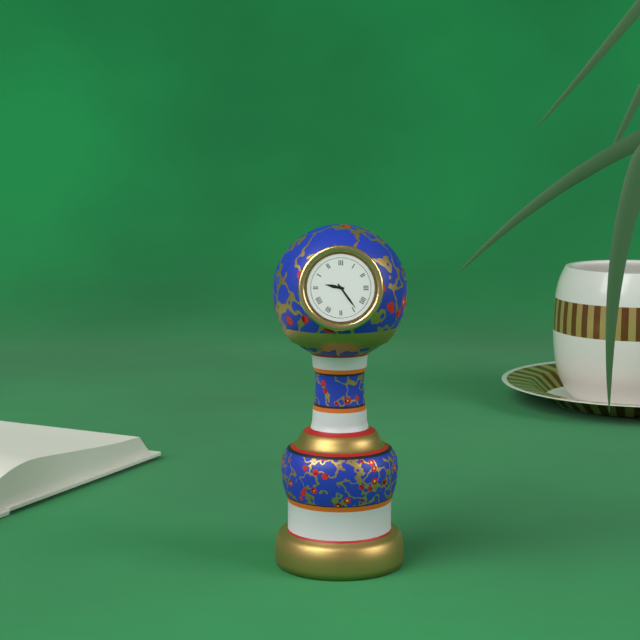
9:24
